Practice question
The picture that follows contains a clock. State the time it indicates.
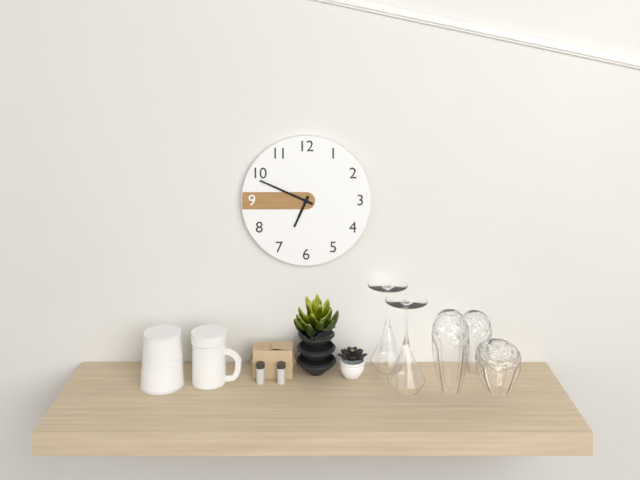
6:49
